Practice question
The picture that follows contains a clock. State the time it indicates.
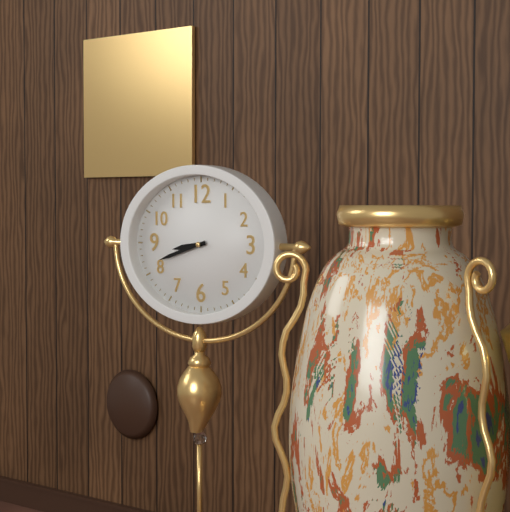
8:42
